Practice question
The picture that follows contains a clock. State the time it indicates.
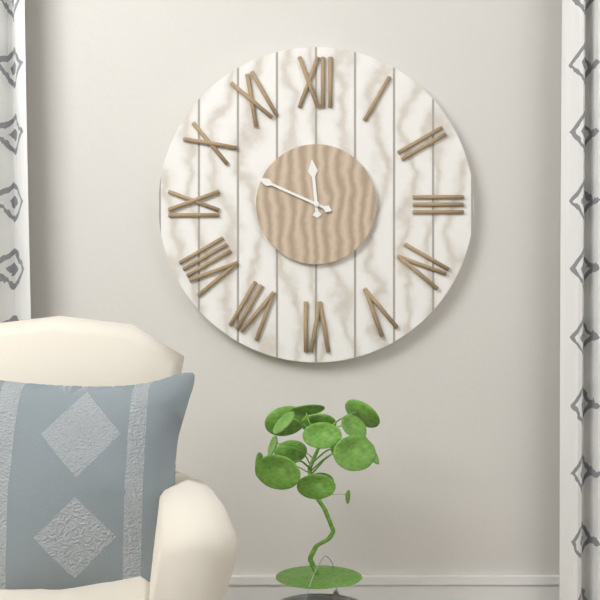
11:49
